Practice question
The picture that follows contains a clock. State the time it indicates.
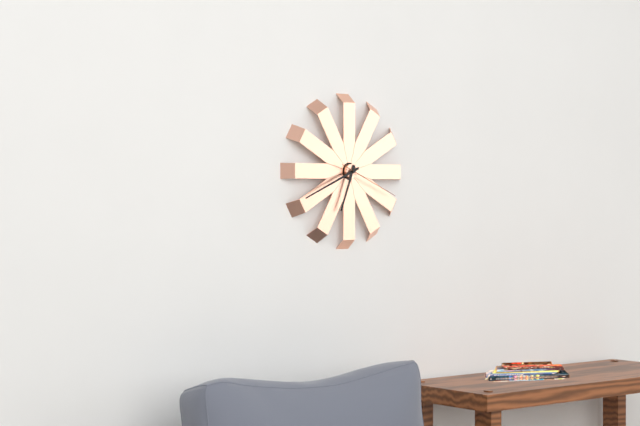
6:41:19
